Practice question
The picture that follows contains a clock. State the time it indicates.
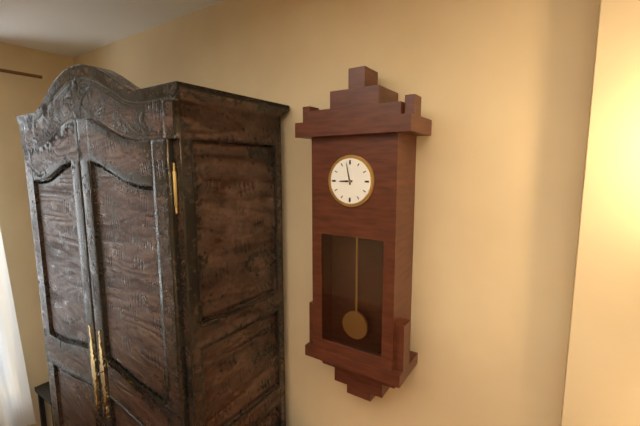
8:58
